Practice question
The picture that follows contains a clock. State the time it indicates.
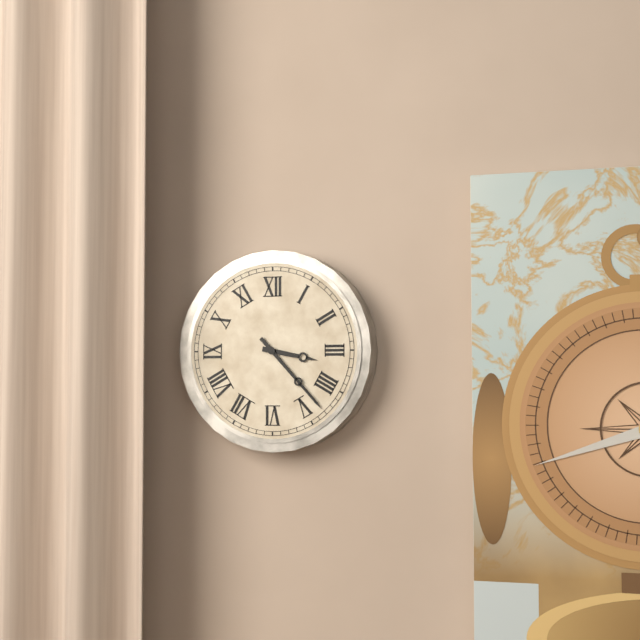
3:23
